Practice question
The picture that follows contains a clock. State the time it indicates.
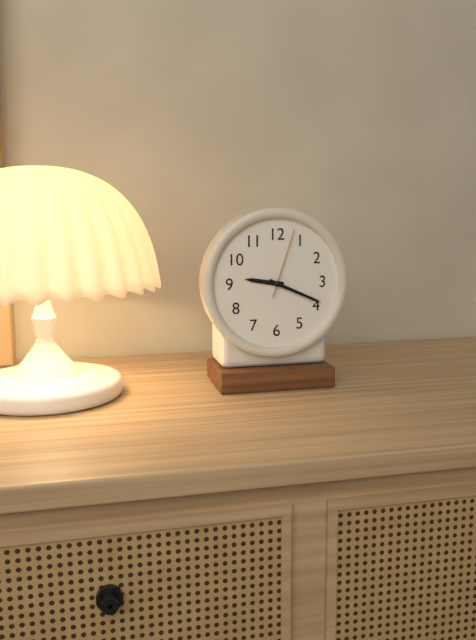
9:19:03
